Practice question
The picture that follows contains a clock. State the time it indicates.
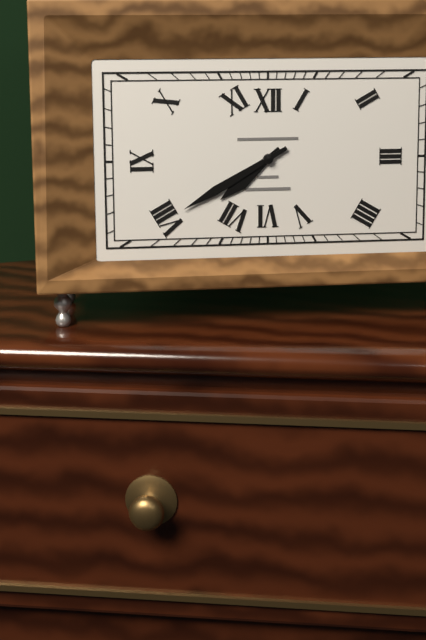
7:40
